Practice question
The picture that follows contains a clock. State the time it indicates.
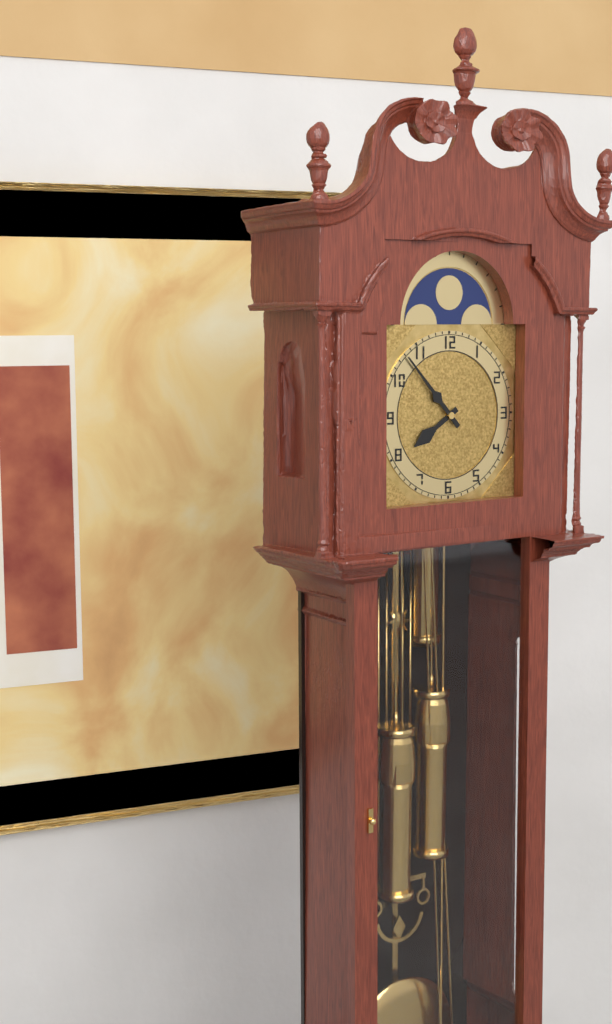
7:53
